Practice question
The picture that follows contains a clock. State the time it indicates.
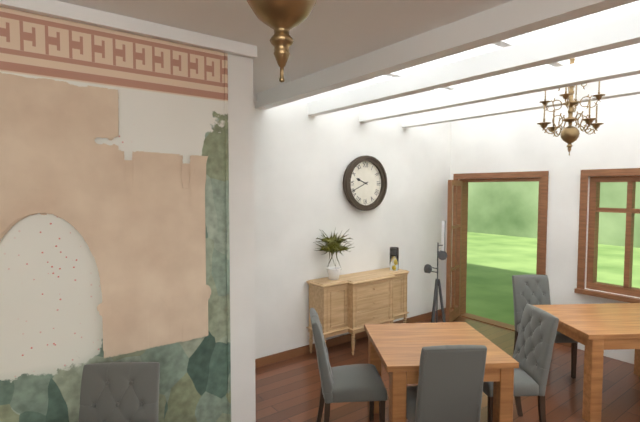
9:41
